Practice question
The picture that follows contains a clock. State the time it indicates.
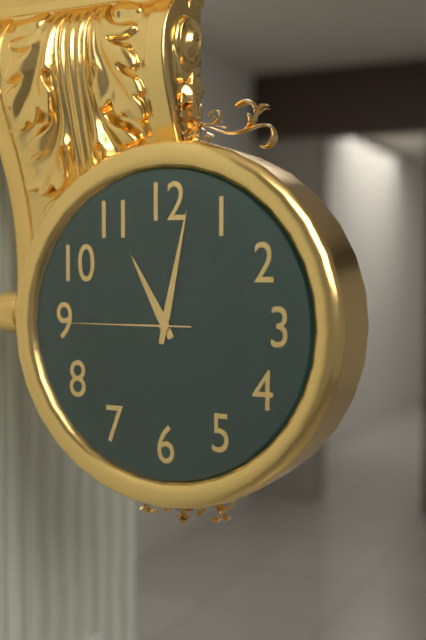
11:02:45
